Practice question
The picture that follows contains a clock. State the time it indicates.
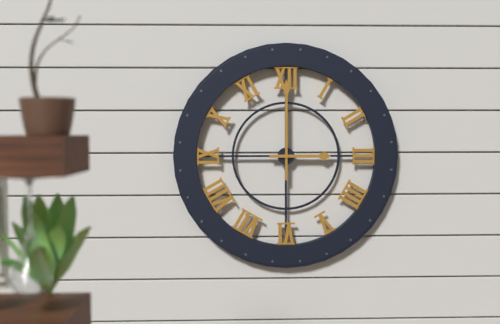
3:00
